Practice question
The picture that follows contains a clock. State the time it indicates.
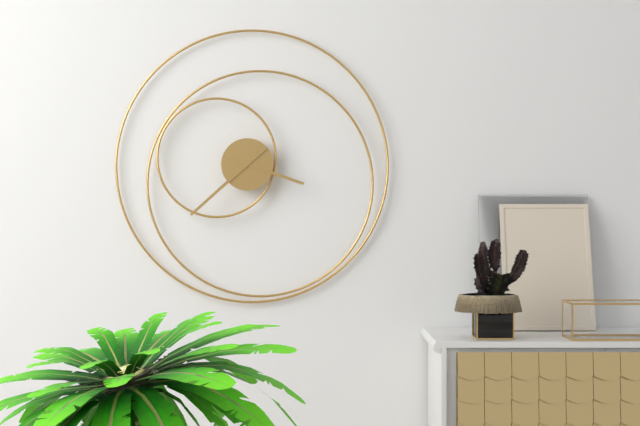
3:38
